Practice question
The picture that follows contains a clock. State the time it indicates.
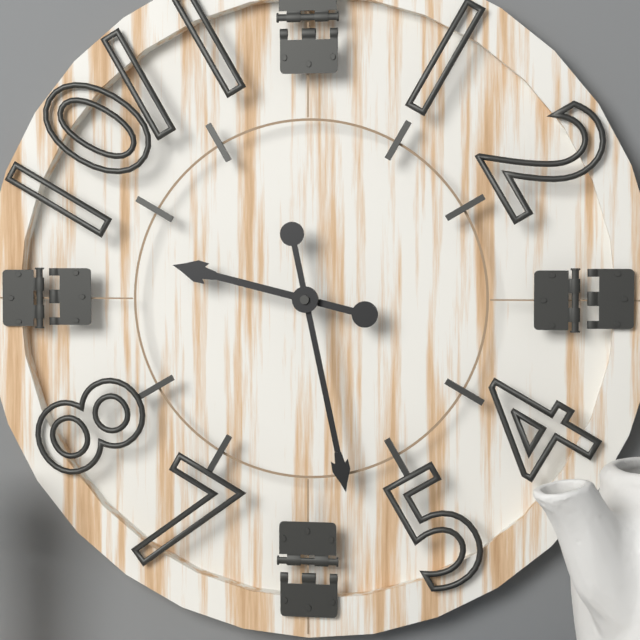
9:28
